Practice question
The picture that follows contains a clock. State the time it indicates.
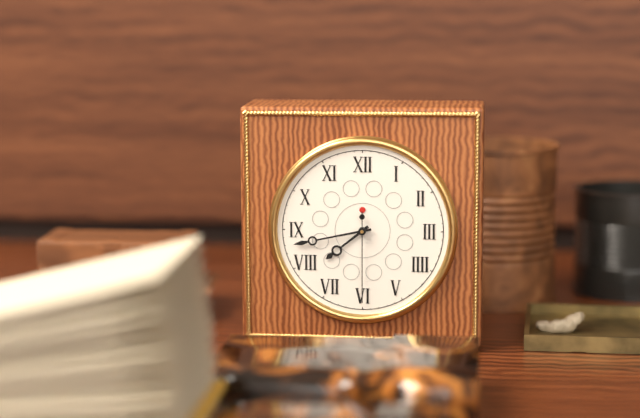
7:43:30
